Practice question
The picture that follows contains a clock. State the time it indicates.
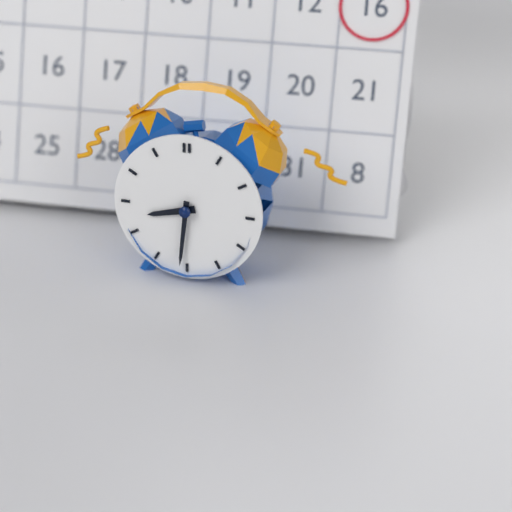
8:31
